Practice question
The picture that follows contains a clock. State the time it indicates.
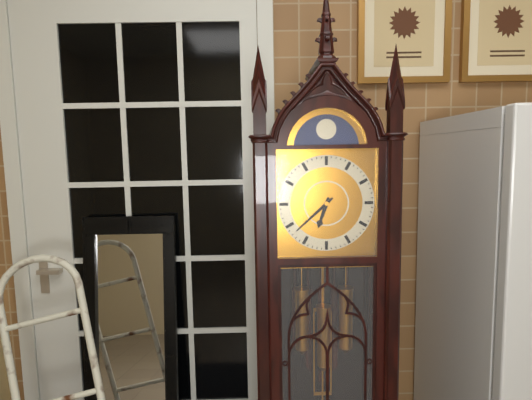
6:38
